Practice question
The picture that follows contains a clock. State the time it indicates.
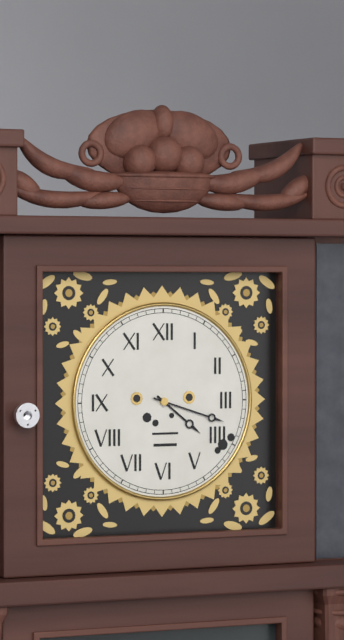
4:18
